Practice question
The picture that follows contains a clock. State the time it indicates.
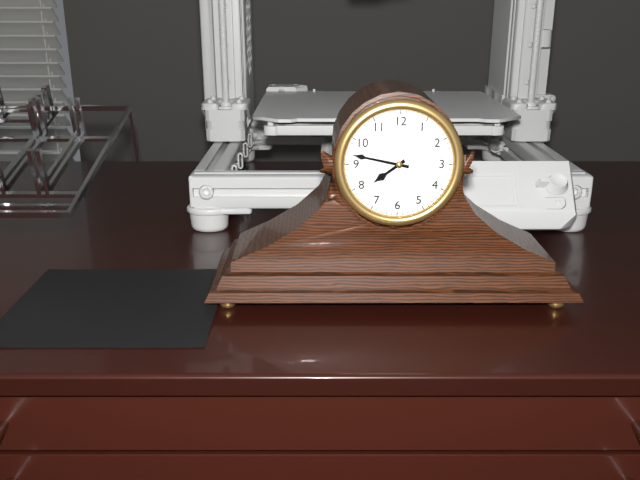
7:47
